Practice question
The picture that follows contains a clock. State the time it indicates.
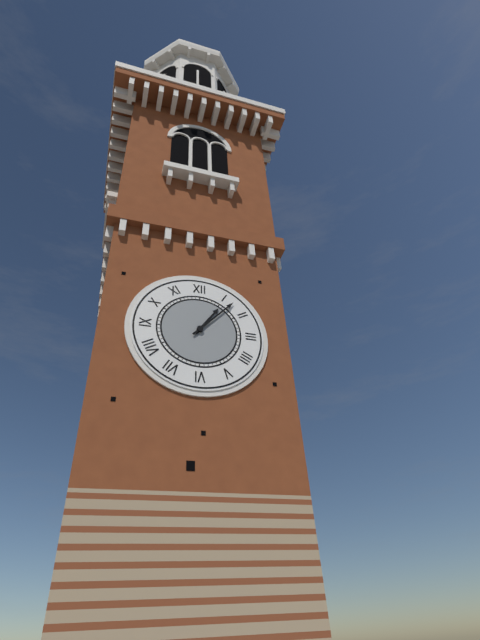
1:07
